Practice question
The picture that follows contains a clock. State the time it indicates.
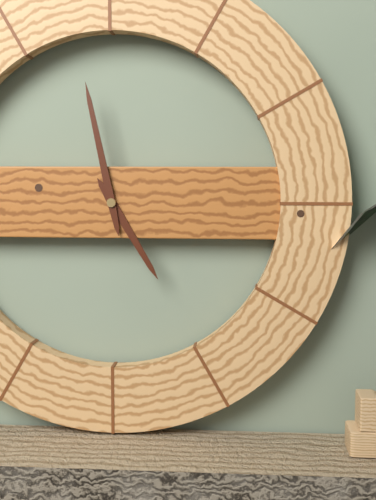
4:58
